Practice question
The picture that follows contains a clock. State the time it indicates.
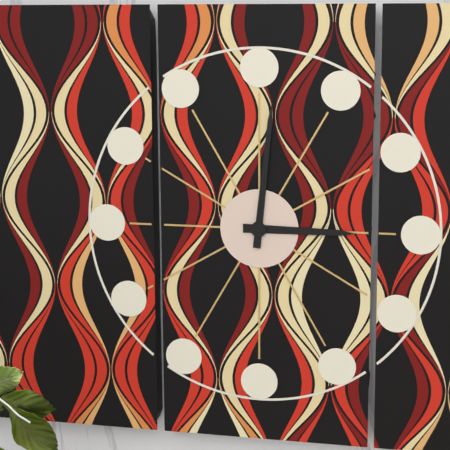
3:01
